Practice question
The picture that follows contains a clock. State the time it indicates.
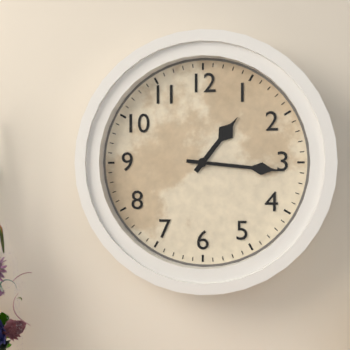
1:16
